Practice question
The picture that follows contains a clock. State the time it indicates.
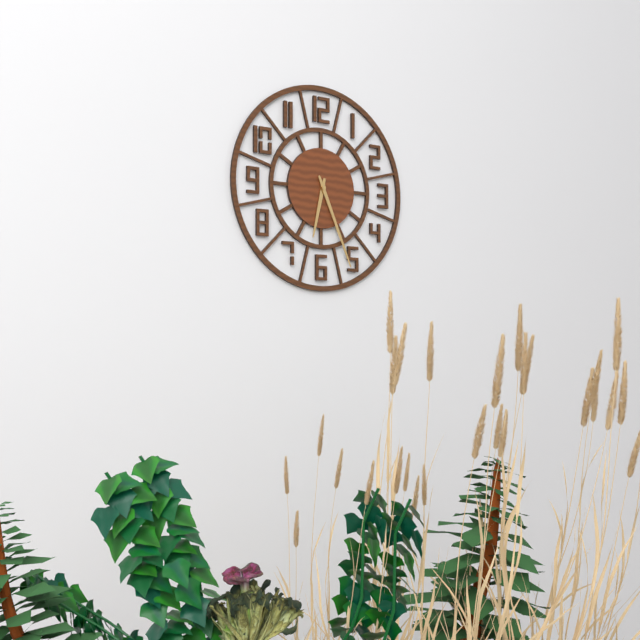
6:26
